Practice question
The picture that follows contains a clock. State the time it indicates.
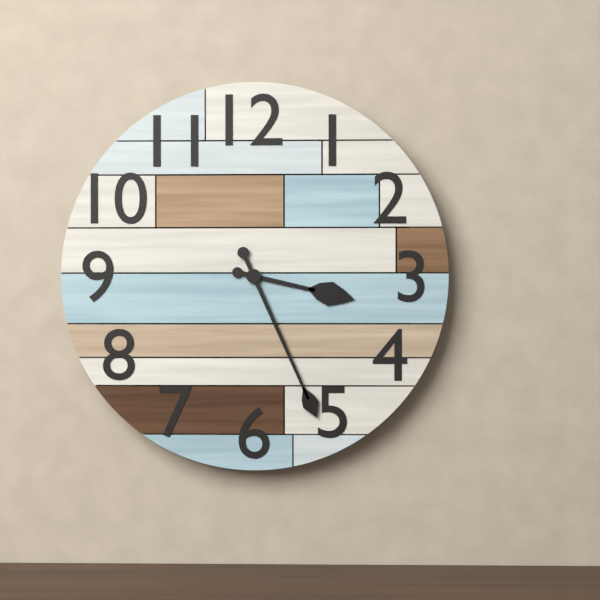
3:26
